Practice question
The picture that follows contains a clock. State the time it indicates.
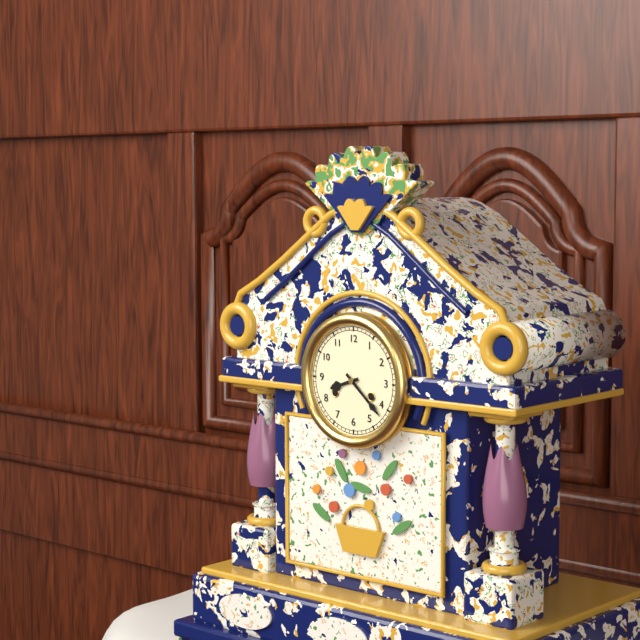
8:22
